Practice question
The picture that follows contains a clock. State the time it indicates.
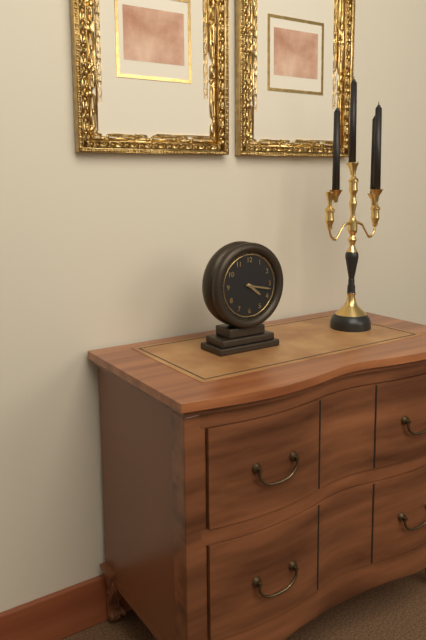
4:17
